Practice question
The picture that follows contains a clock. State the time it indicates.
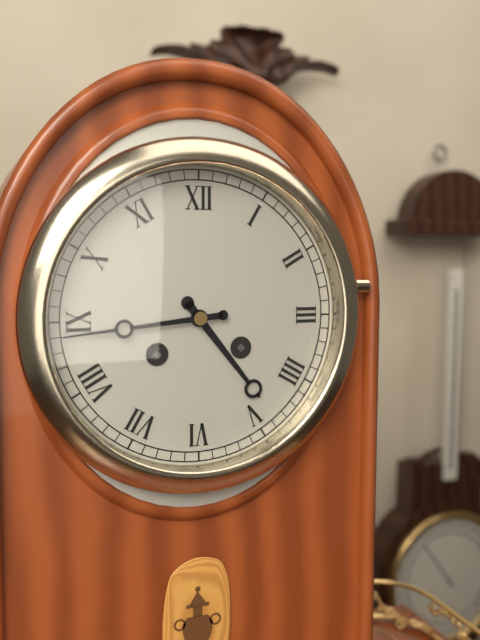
4:44
